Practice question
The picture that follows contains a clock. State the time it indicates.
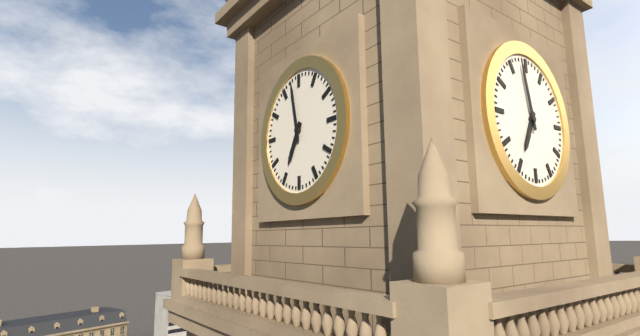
6:58
